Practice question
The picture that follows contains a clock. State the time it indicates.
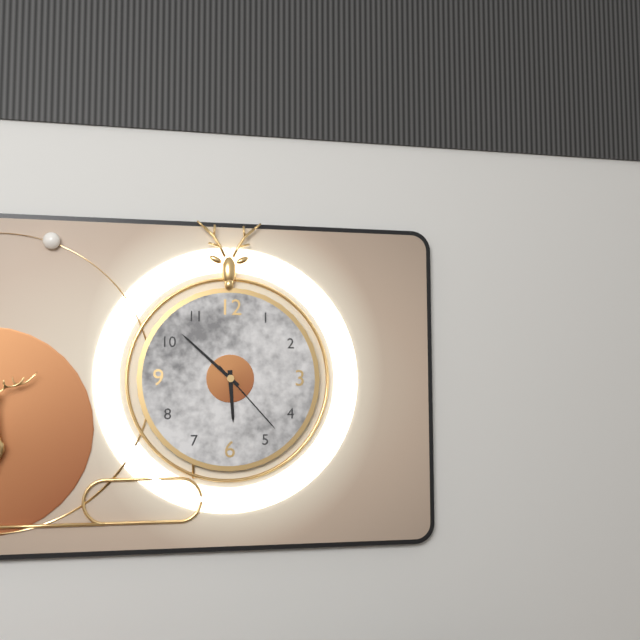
5:52:23
